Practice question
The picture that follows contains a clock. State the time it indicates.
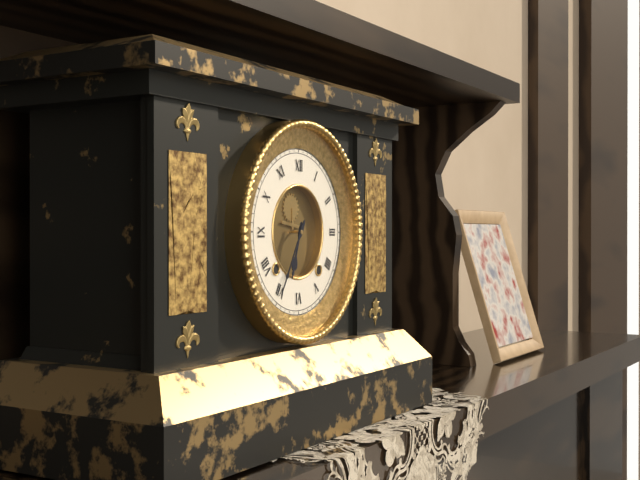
6:35
